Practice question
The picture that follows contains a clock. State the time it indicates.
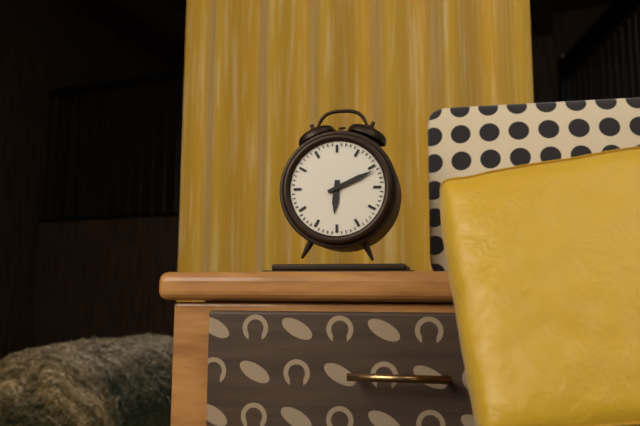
6:11
